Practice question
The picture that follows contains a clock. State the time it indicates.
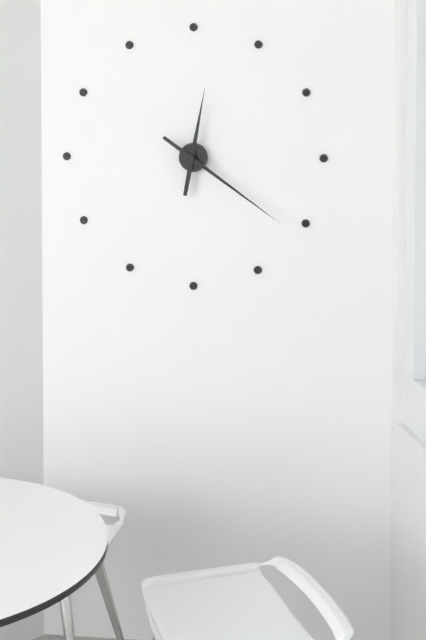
12:21
